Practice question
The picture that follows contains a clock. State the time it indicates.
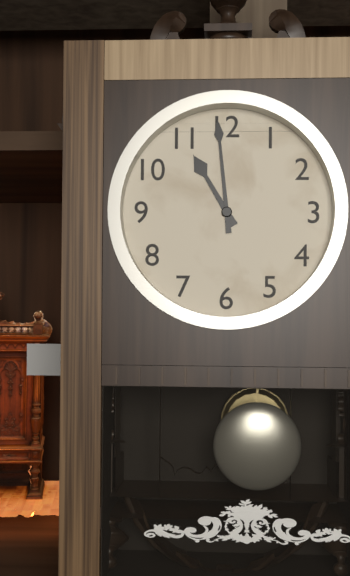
10:59
